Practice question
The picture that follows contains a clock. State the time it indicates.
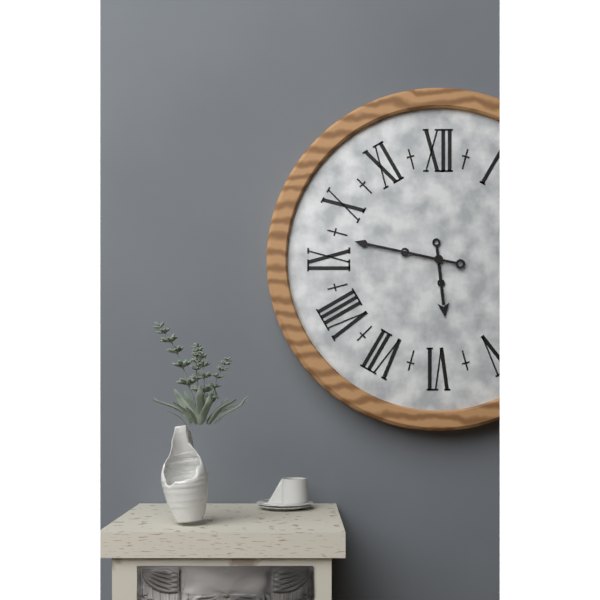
5:47
